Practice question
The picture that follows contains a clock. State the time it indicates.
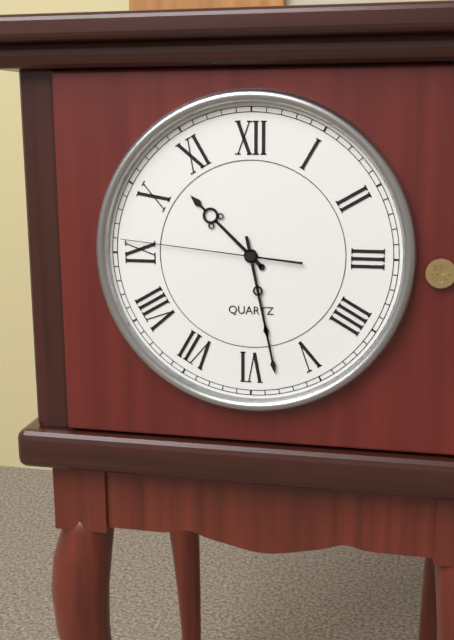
10:28:46
